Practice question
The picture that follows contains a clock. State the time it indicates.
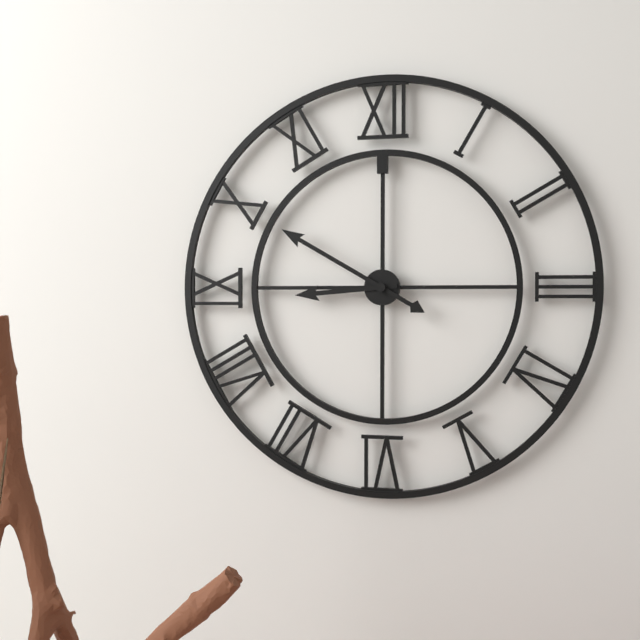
8:50
